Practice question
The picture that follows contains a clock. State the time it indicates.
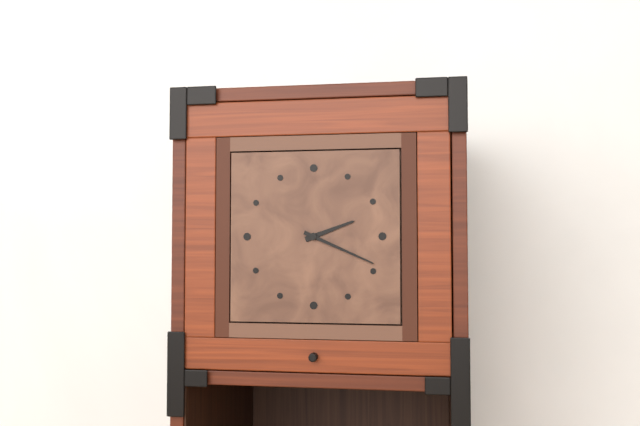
2:19
